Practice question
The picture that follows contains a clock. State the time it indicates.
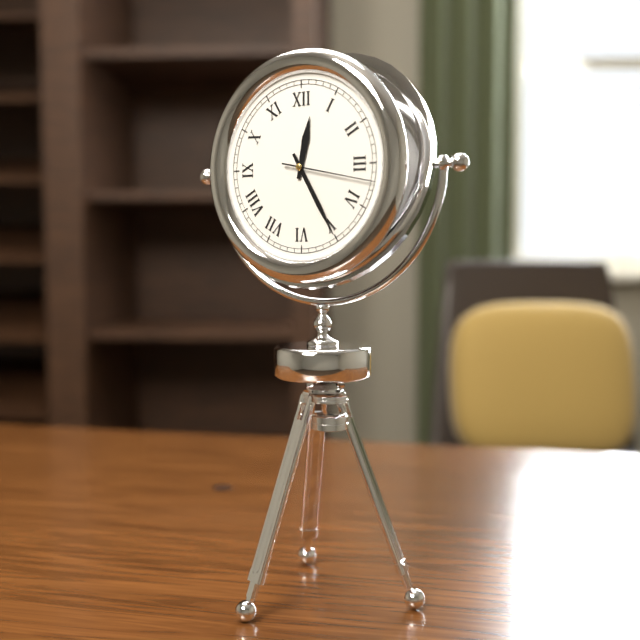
12:25:17
